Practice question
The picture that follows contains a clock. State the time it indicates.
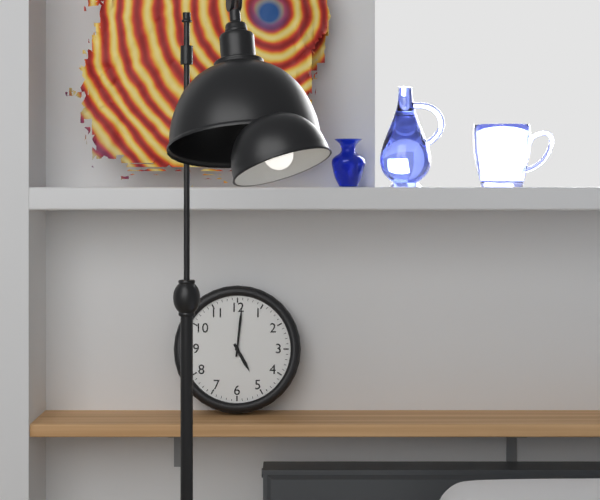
5:01
